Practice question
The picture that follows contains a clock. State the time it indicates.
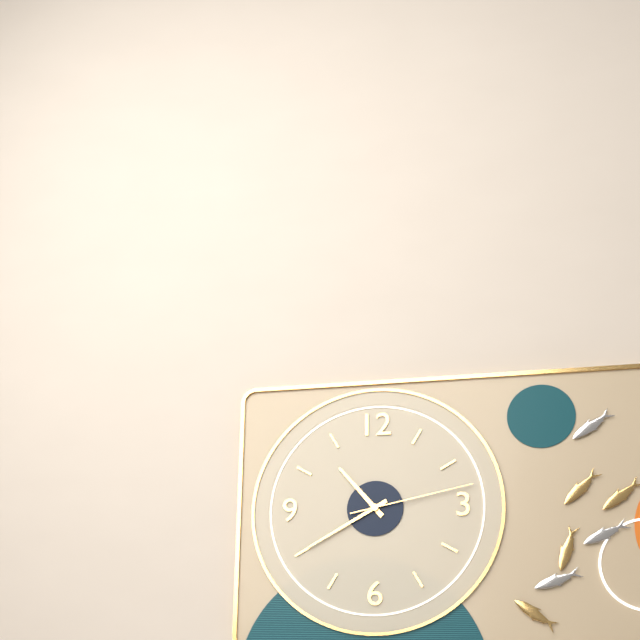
10:40:13
